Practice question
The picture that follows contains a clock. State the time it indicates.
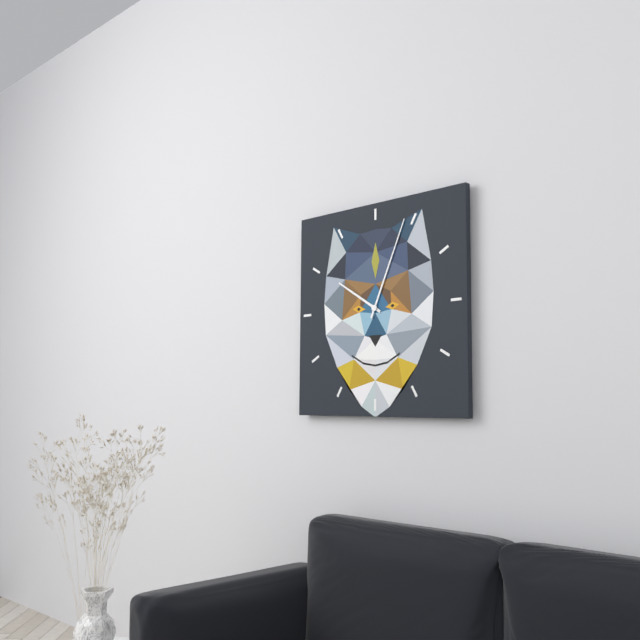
10:04
